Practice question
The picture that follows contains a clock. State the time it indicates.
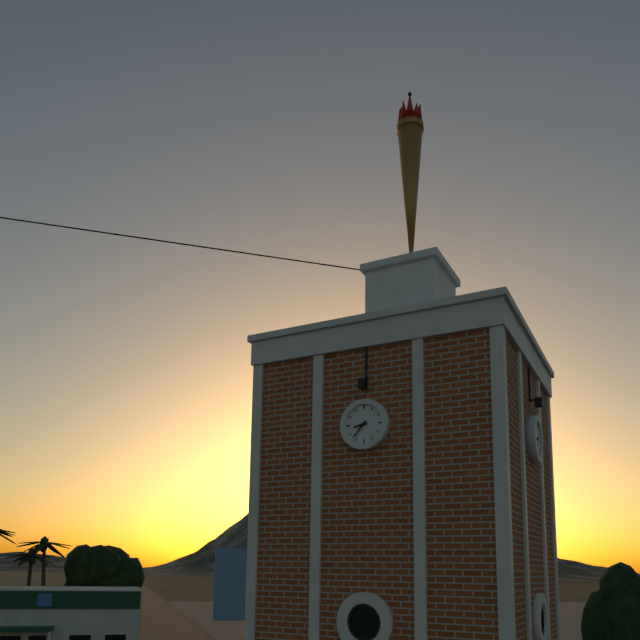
8:37
